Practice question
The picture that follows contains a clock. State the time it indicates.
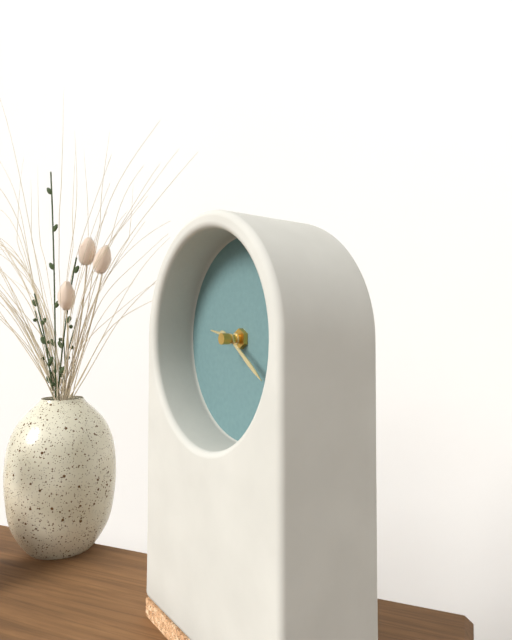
9:21
